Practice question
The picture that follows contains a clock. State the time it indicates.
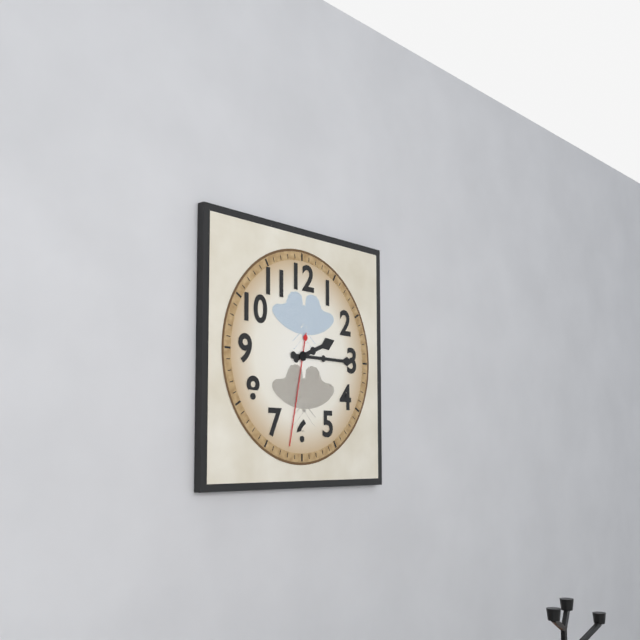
2:15:32
